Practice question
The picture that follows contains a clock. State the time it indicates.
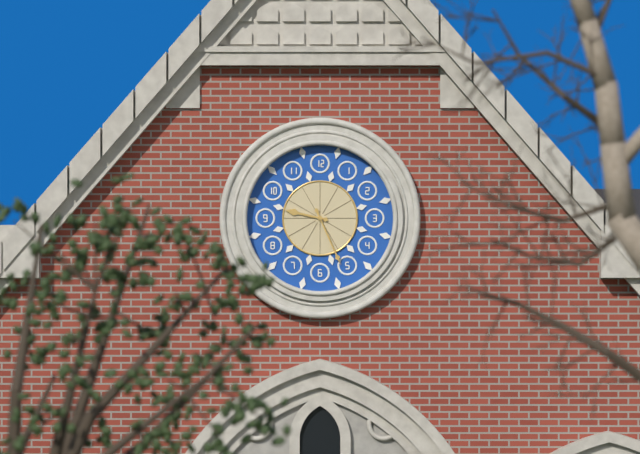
9:26
